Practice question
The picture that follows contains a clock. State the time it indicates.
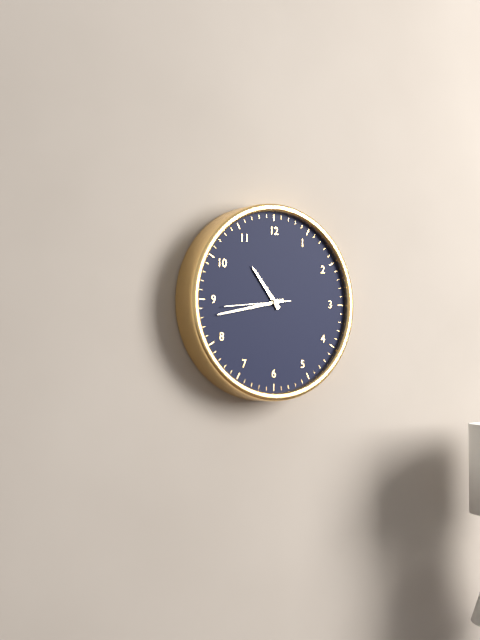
10:43:44
